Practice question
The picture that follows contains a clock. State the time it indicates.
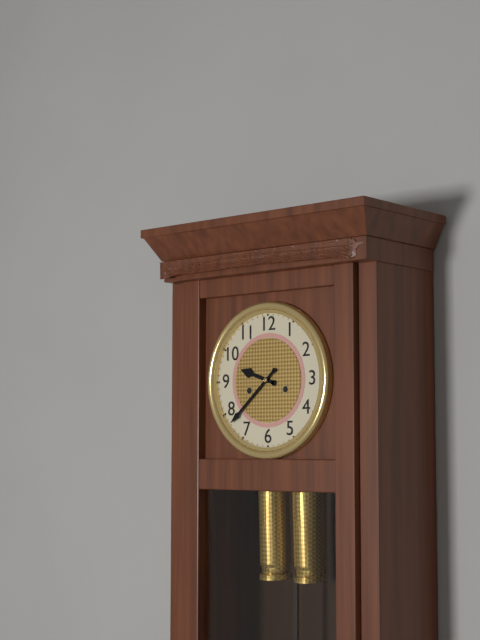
9:38
